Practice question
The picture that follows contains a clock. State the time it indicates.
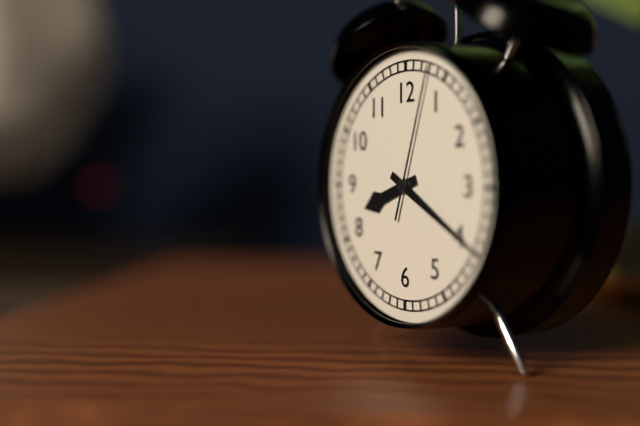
8:20:03
